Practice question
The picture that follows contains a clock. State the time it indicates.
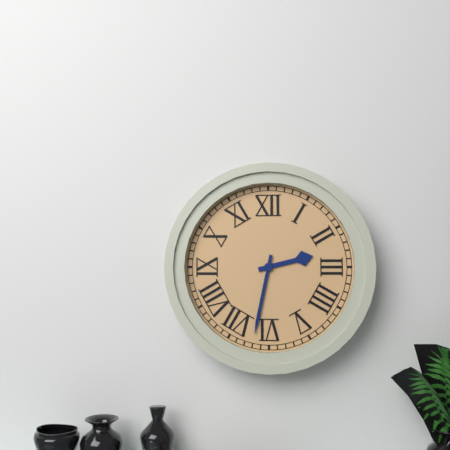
2:32
